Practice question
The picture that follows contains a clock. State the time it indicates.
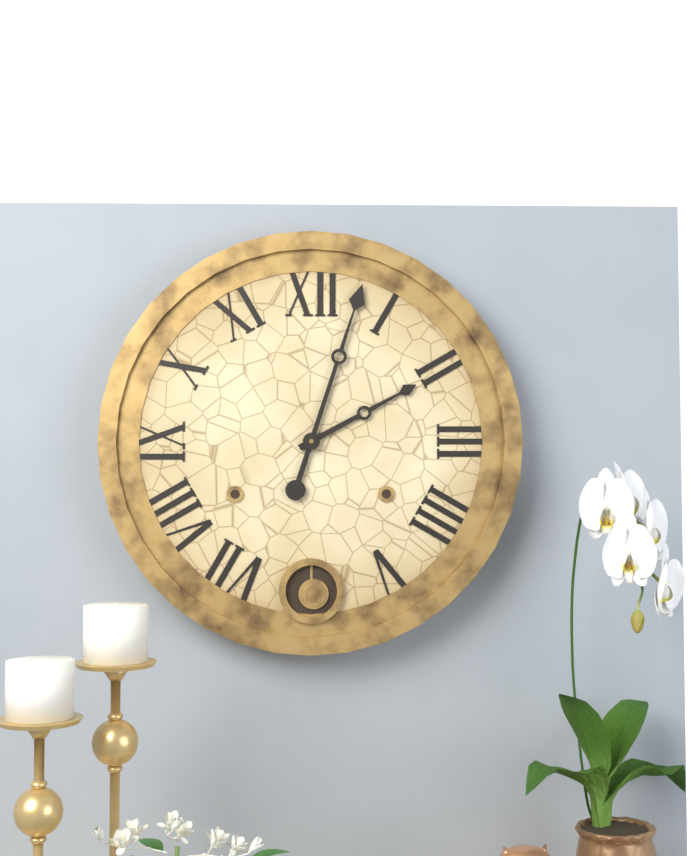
2:03
